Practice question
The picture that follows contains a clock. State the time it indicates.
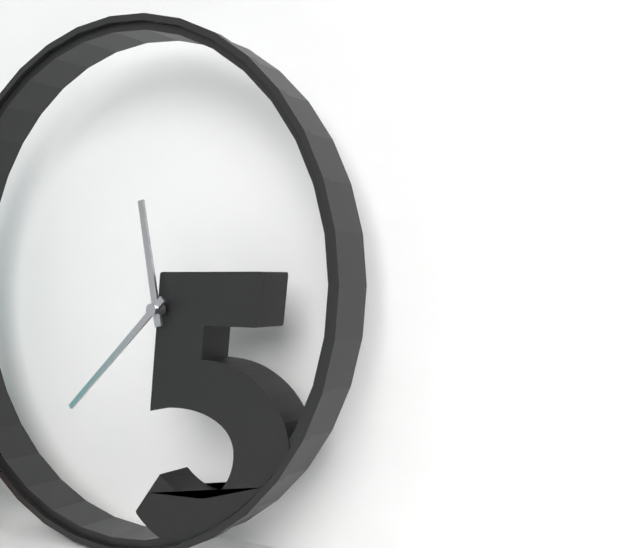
11:38
